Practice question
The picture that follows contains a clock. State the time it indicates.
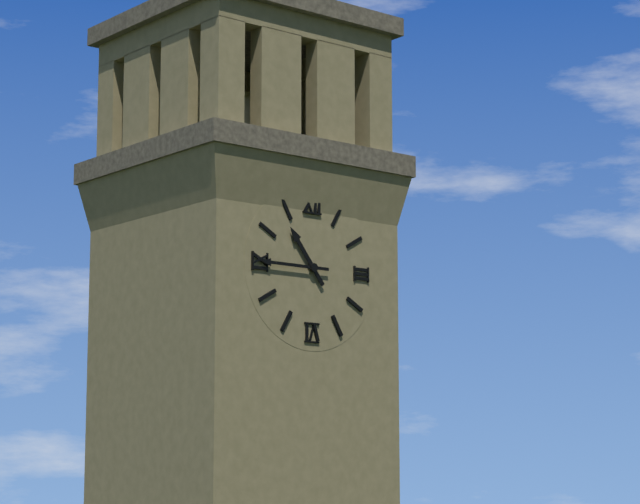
10:45
